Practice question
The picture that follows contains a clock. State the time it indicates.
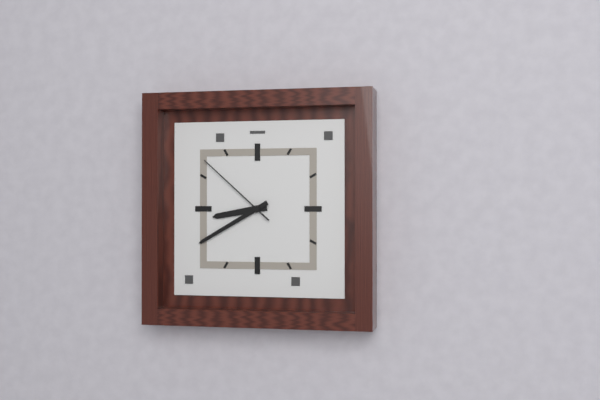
8:40:52
